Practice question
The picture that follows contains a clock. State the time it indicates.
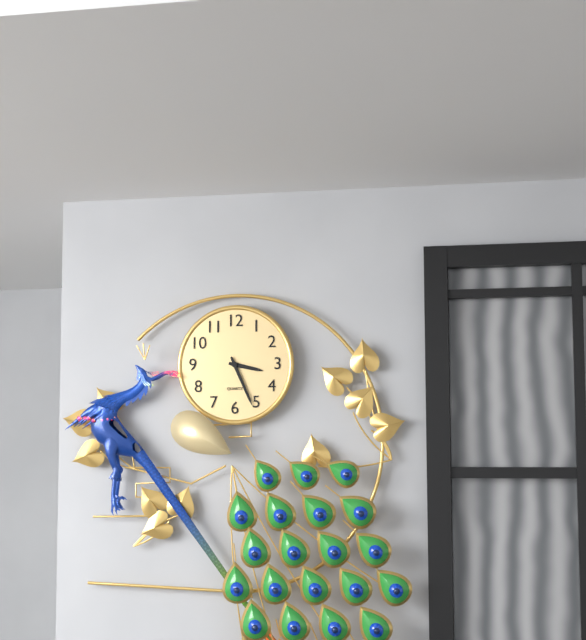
3:26
